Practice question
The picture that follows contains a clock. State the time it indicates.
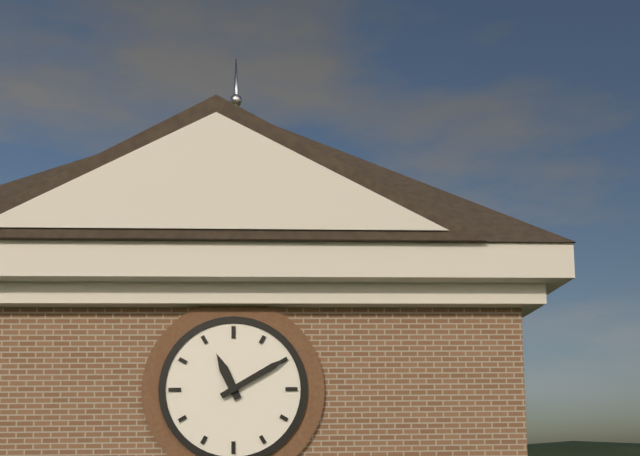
11:10
